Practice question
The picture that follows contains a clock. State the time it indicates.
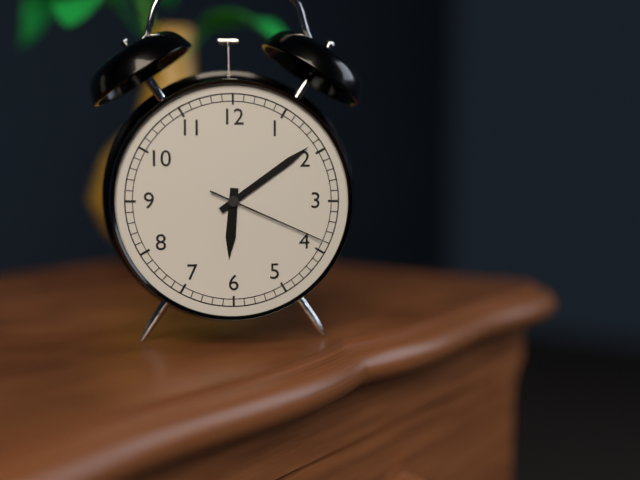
6:09:19
